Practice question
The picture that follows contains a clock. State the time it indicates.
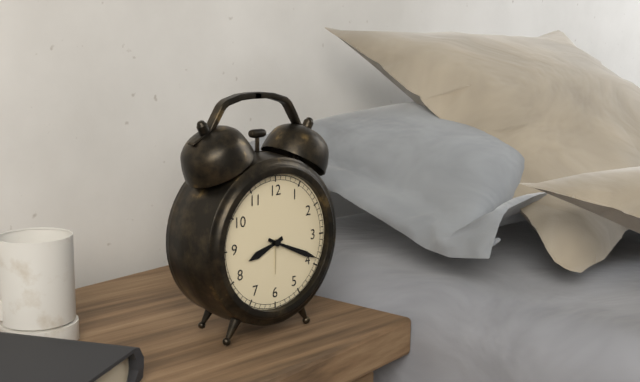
8:19
